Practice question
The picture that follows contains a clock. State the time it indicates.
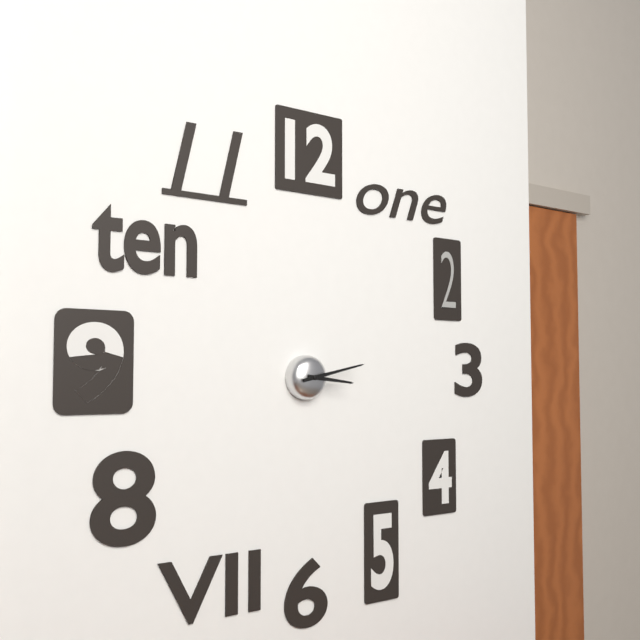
3:13
